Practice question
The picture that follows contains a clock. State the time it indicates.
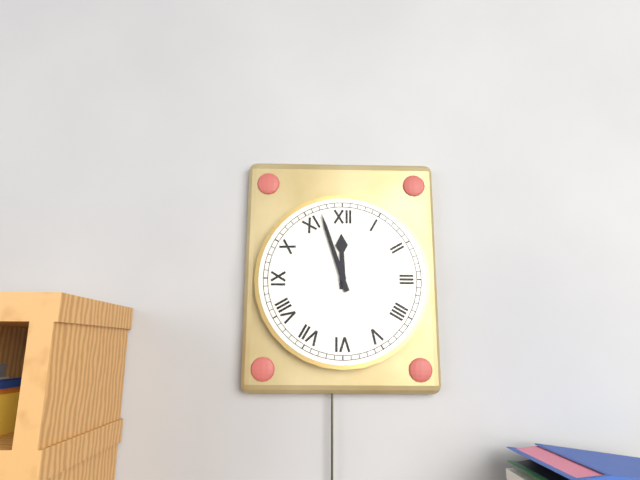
11:57
